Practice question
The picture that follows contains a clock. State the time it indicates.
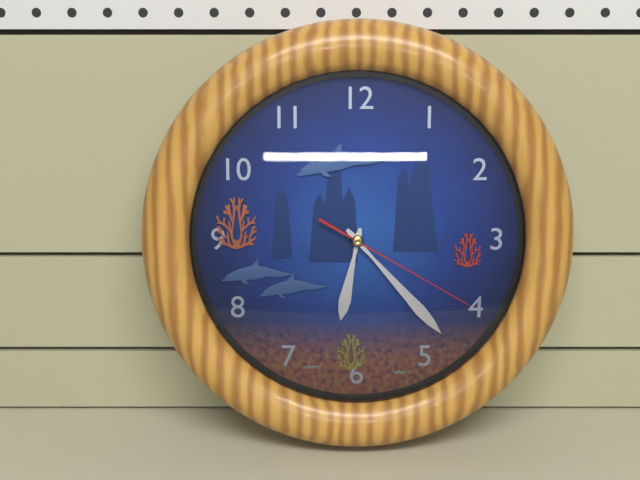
6:23:20
